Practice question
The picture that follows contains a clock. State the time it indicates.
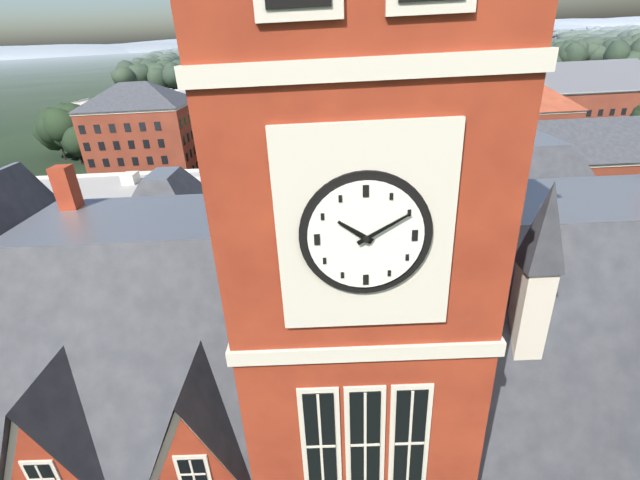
10:10
